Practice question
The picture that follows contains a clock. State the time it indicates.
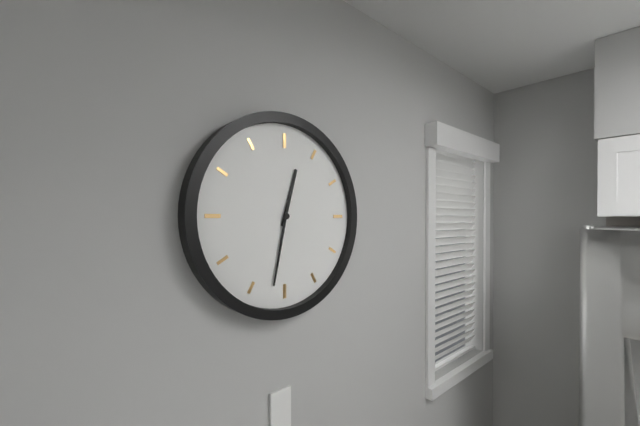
12:32
